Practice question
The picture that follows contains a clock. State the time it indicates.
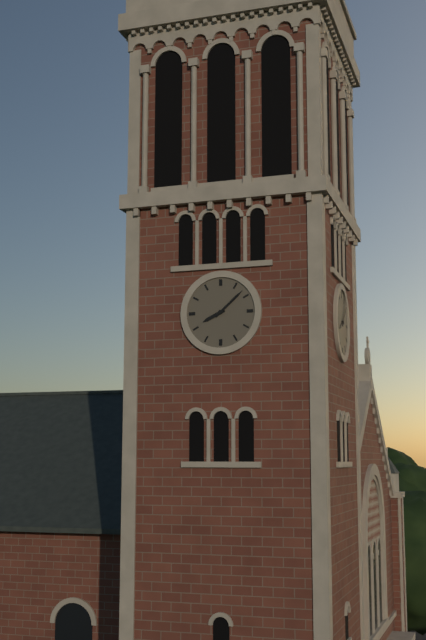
8:08
